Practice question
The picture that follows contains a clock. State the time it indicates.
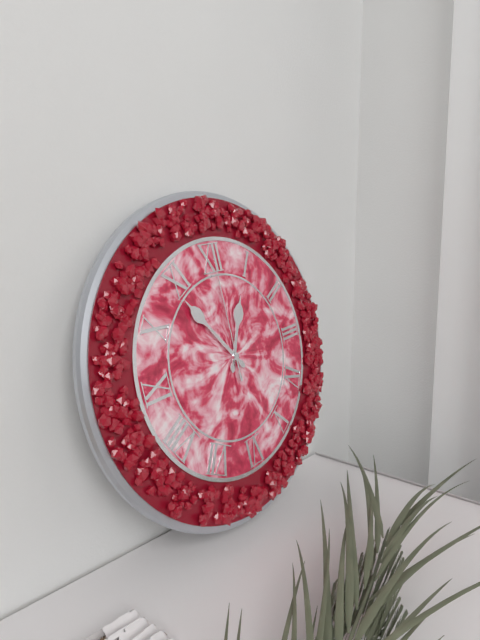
12:54:00
